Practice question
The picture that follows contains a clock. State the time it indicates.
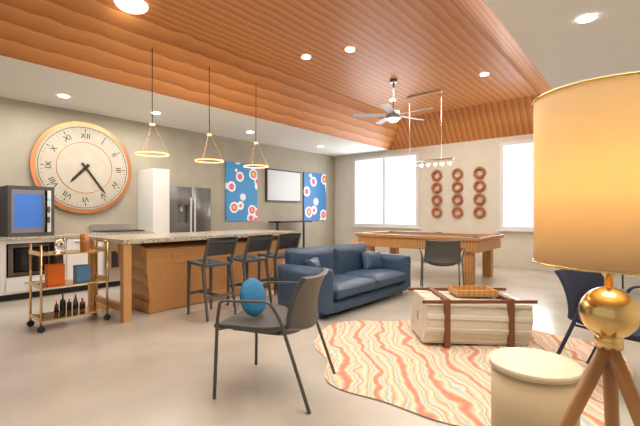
7:24
